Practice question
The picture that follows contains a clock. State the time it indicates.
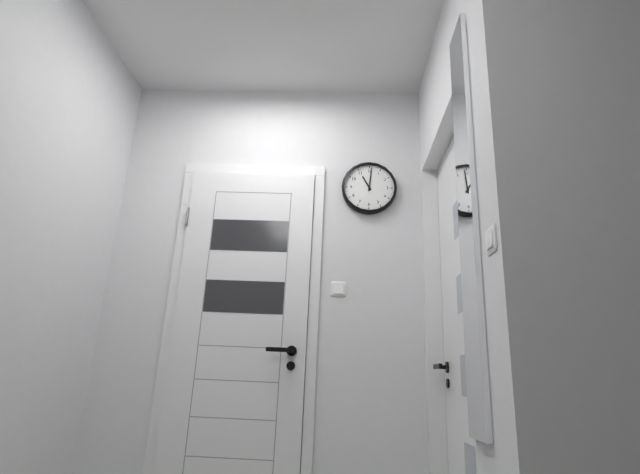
11:01
